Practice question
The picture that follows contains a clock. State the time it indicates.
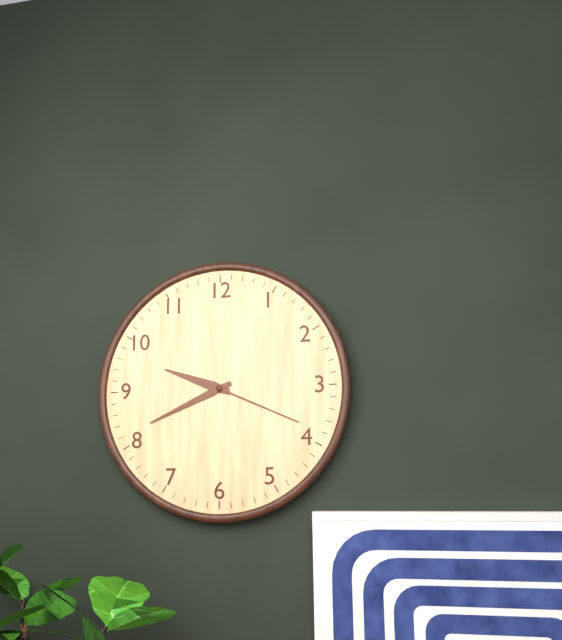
9:41:19
